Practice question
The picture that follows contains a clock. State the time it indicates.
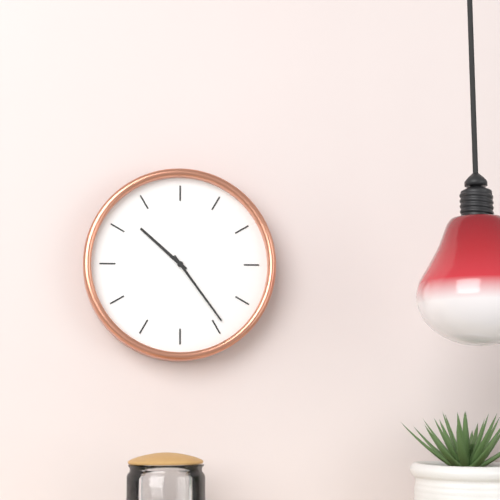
10:24
